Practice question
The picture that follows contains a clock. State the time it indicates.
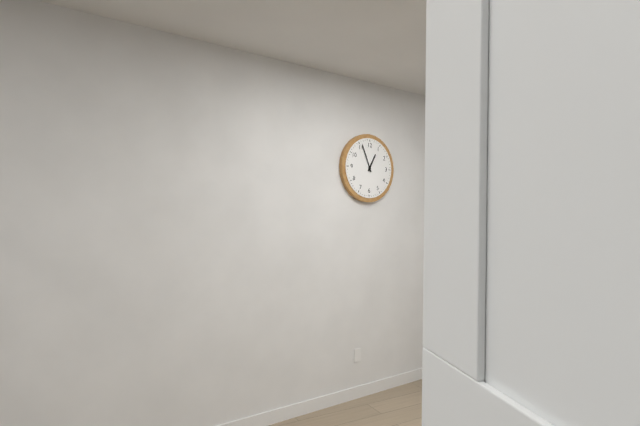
12:56
